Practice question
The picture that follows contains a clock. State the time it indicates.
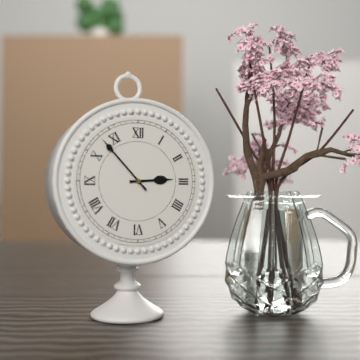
2:53
